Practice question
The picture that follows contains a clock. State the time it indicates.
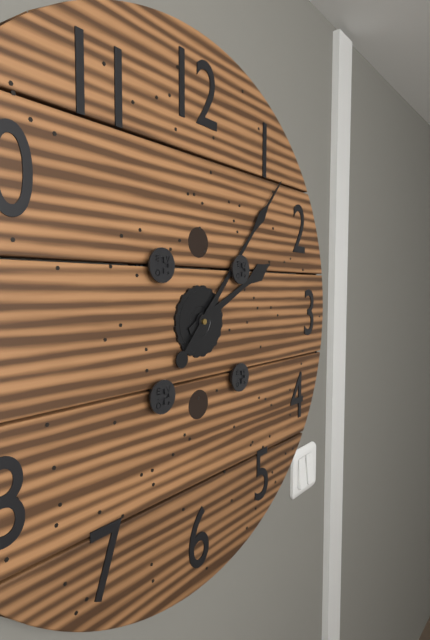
2:07
